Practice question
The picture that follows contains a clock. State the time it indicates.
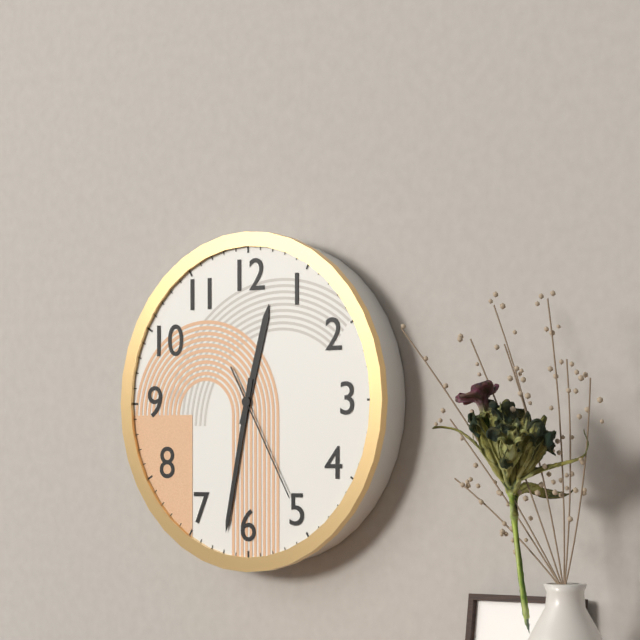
12:32:25
